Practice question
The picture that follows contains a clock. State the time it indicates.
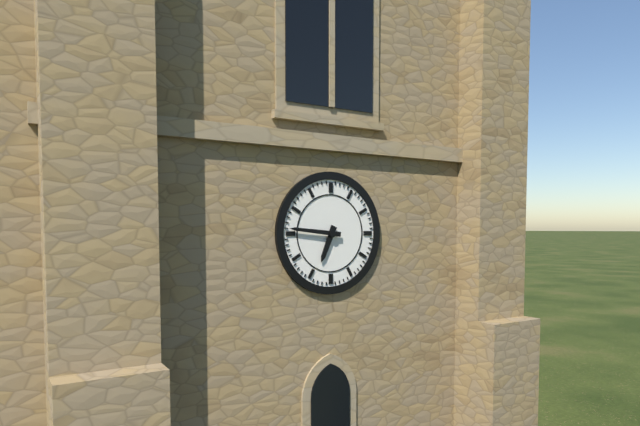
6:46
